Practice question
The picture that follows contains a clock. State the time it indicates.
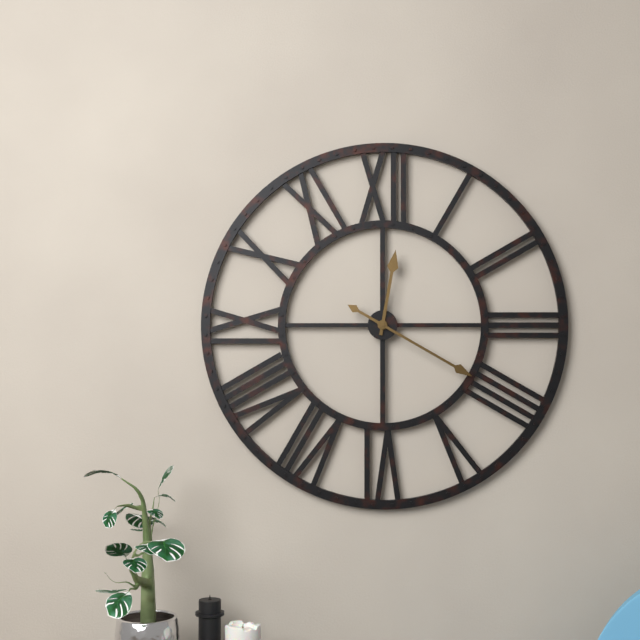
12:20
